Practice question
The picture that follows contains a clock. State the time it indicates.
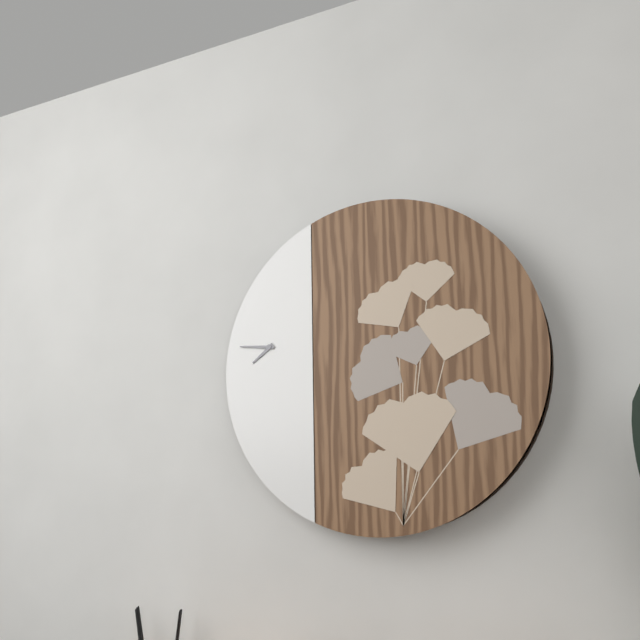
7:46
